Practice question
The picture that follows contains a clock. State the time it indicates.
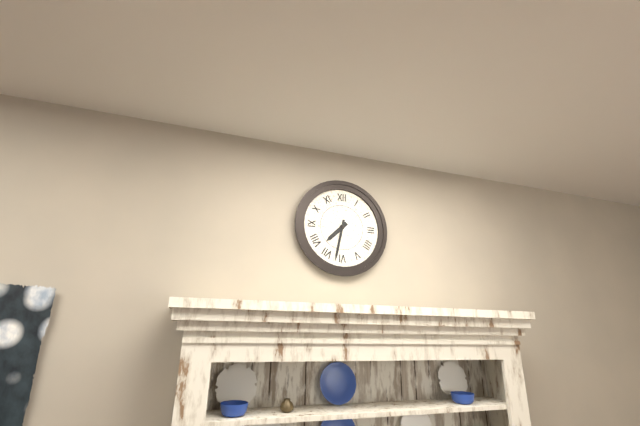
7:32
